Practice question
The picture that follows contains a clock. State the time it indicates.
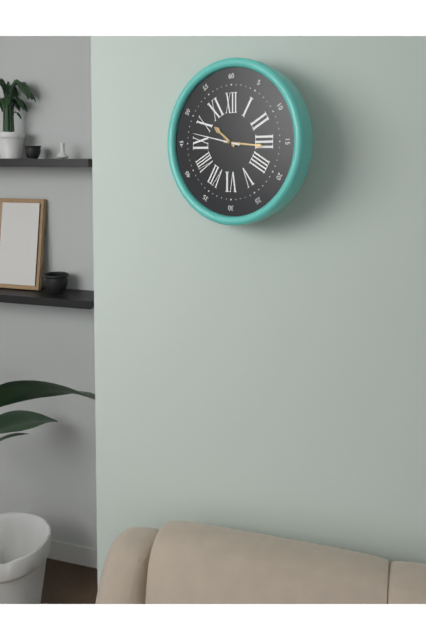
10:16
